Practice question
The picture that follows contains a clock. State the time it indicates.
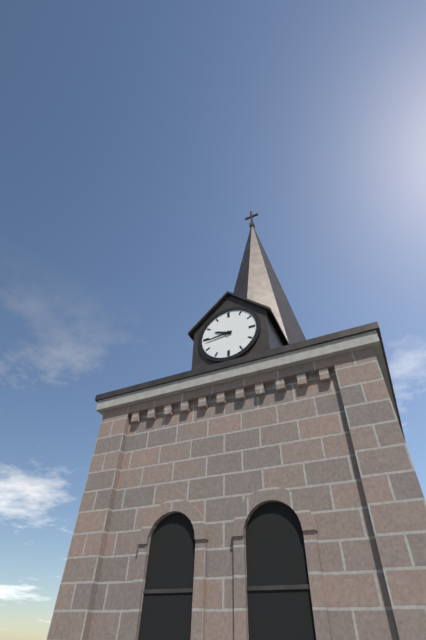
9:44
